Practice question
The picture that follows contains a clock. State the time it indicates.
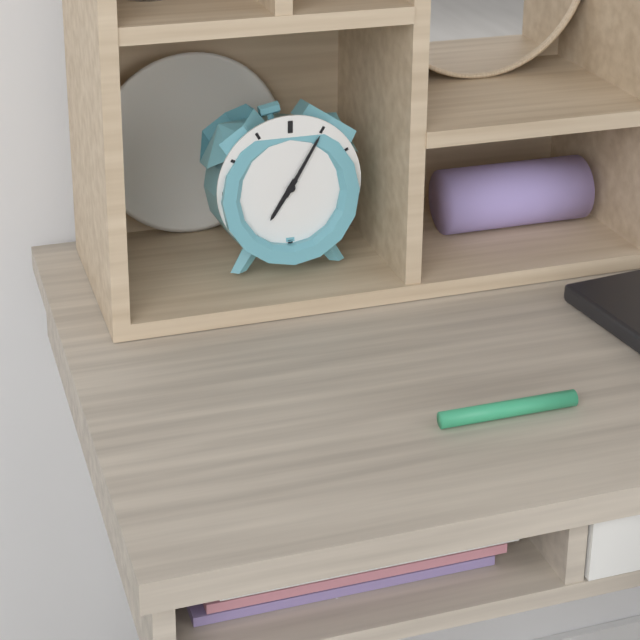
7:05
